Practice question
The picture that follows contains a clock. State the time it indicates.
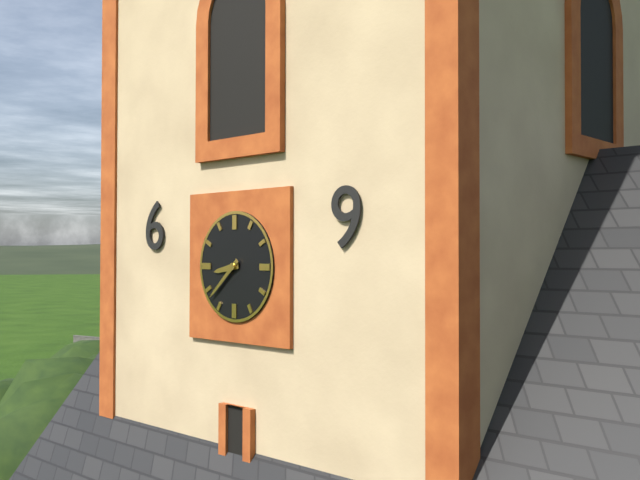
8:38
